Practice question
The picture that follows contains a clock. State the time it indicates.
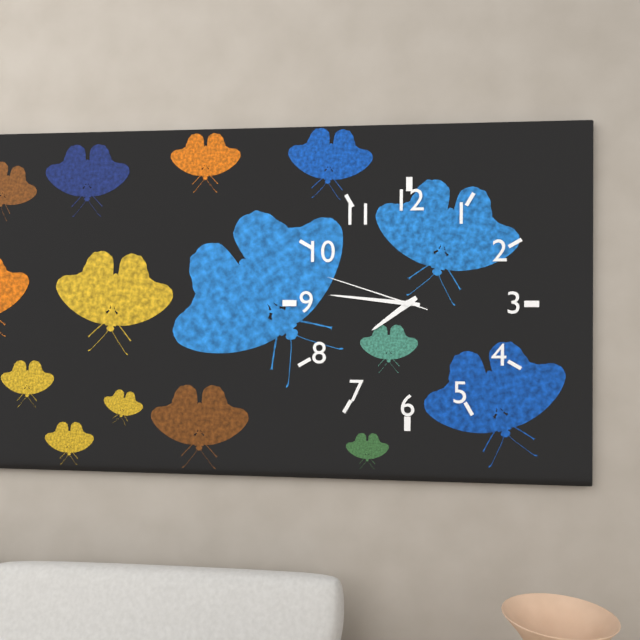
7:46:48
